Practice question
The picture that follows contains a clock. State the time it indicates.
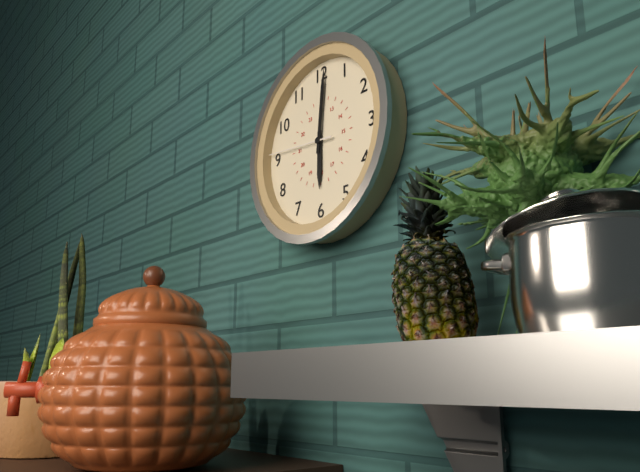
6:01:46
